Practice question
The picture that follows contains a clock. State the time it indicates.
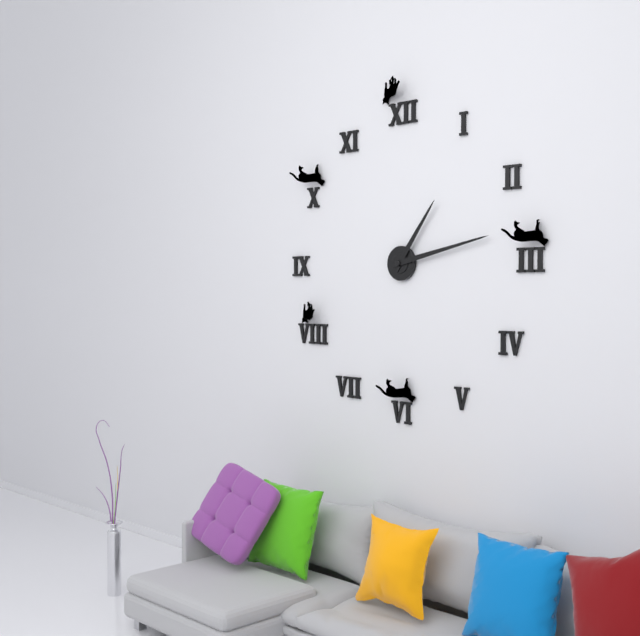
1:13
